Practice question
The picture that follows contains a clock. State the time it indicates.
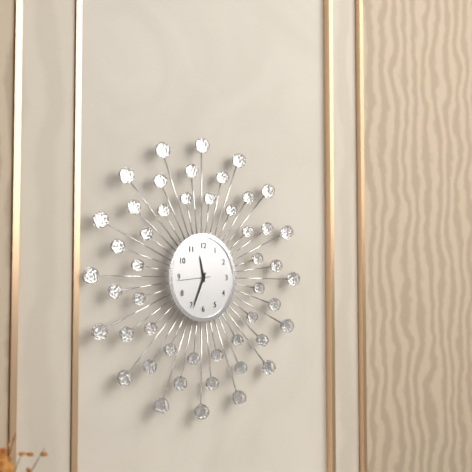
11:34
